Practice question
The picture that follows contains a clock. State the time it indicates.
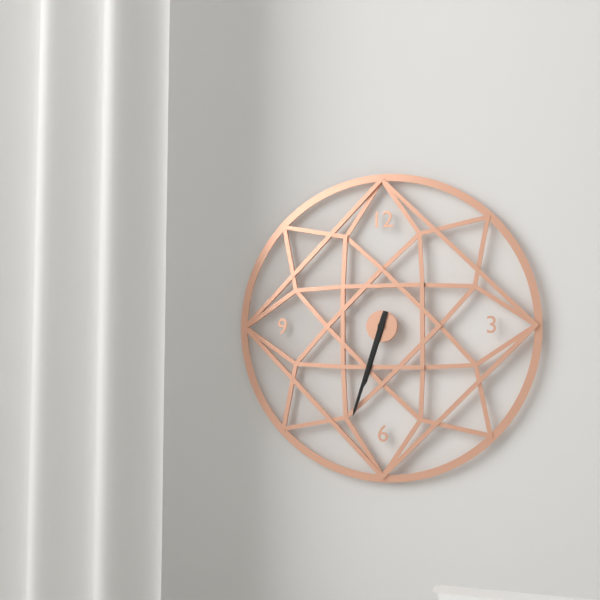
6:33
